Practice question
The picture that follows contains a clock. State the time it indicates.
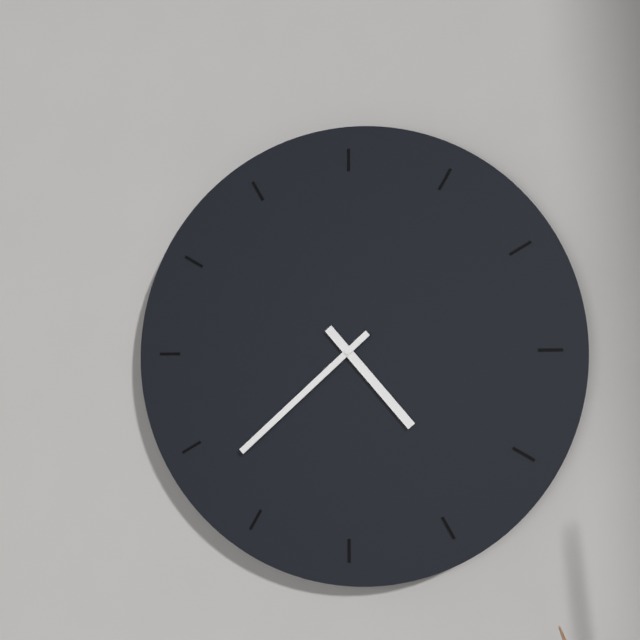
4:38
